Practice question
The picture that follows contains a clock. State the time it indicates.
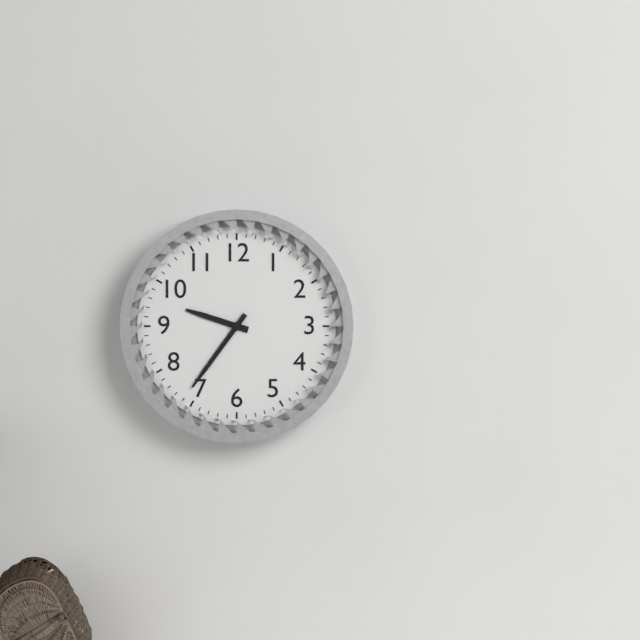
9:36
